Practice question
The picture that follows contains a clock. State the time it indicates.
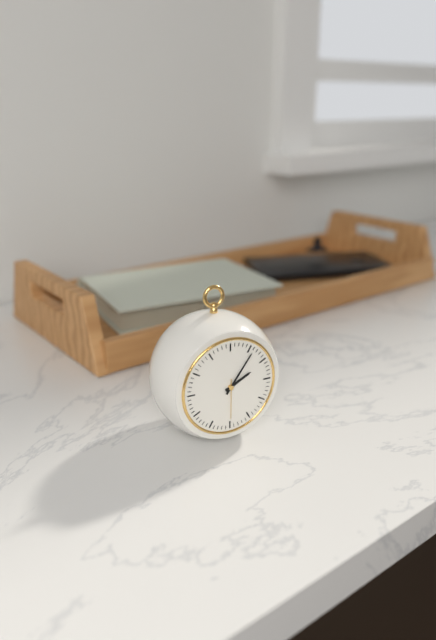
2:06
